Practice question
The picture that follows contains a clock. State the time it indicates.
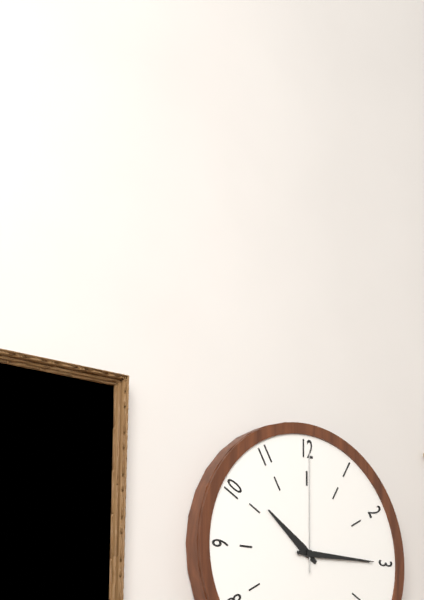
10:15:00
